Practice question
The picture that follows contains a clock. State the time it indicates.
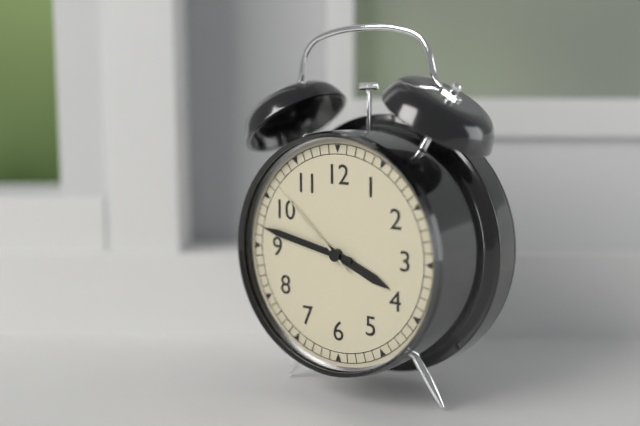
3:47:52
